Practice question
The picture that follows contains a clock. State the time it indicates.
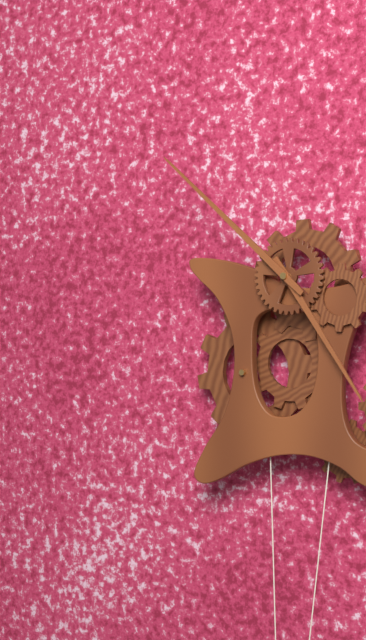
4:52
